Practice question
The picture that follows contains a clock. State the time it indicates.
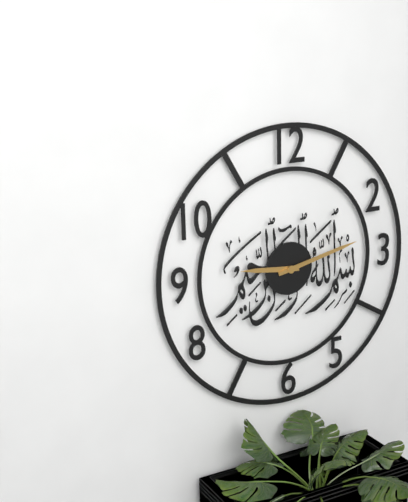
9:13
